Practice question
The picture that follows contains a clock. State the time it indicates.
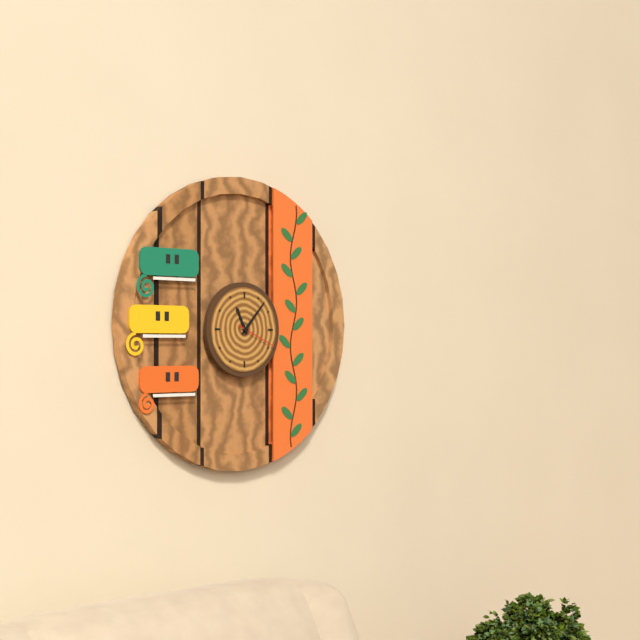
11:07
